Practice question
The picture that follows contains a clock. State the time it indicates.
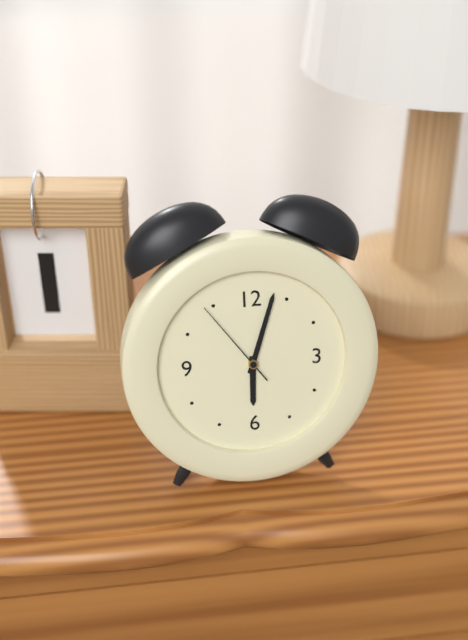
6:03:54
